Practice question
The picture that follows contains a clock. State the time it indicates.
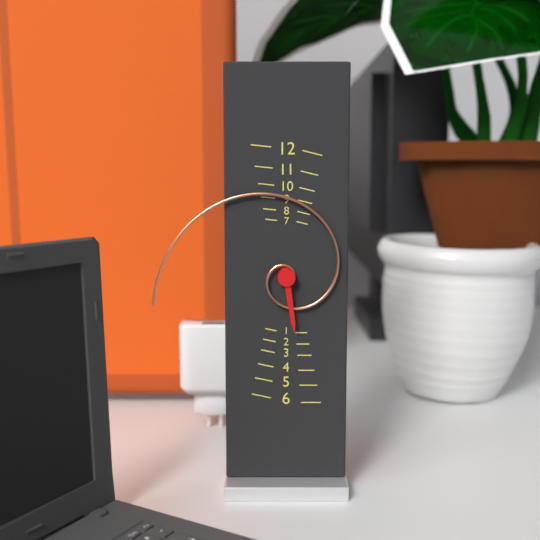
5:43
